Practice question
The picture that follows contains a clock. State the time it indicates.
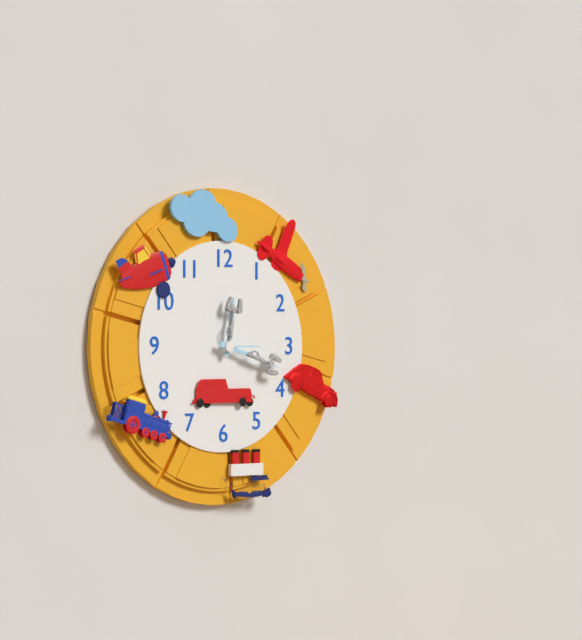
12:18
